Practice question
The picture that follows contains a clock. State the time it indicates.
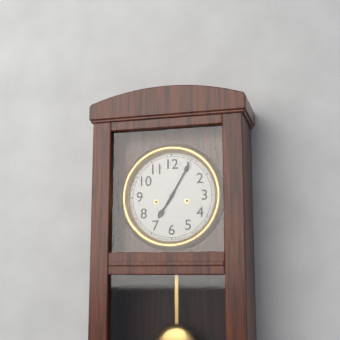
7:05
